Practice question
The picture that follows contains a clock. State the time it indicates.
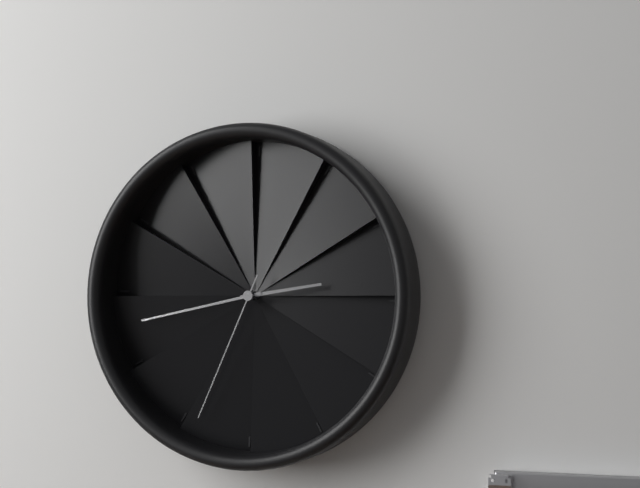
2:43:34
